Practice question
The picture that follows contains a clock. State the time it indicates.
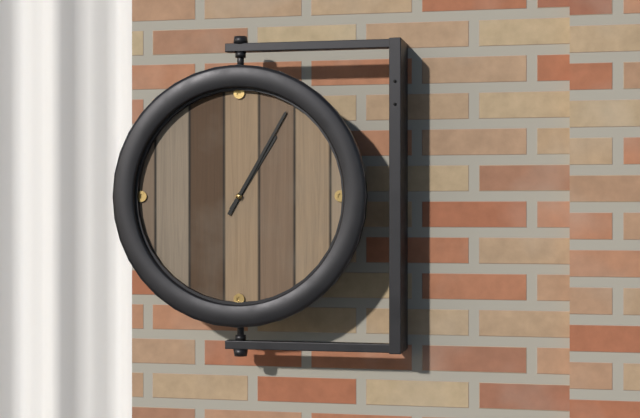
1:05
